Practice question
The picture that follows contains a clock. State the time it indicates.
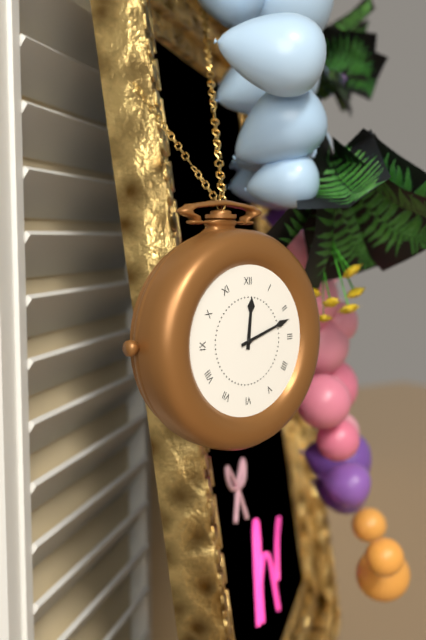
12:12
